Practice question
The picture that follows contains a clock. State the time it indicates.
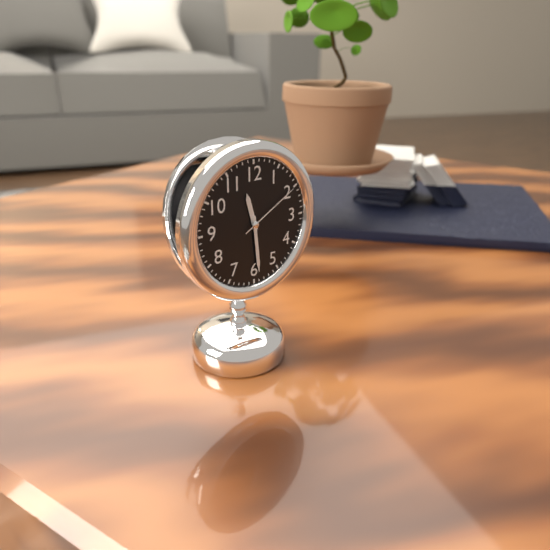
11:29:10
